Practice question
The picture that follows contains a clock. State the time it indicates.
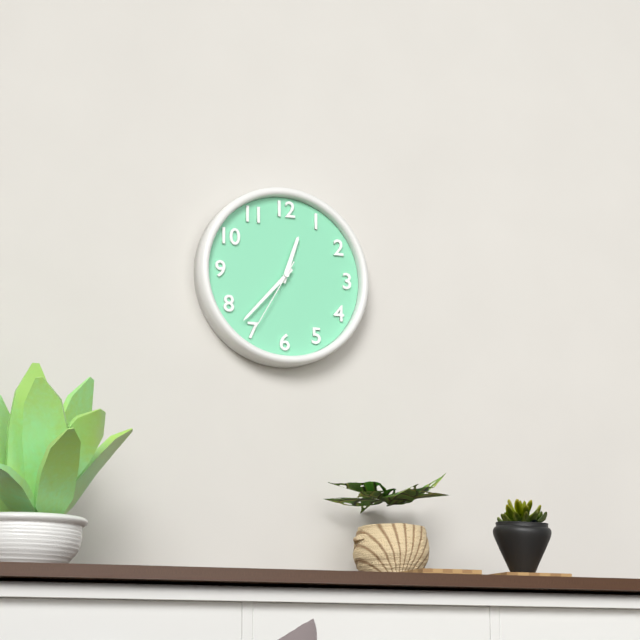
12:37:35
